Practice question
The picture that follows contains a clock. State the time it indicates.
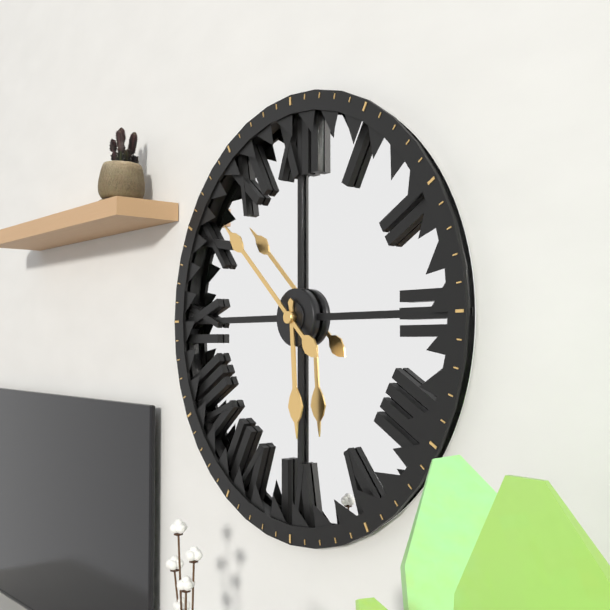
5:52
